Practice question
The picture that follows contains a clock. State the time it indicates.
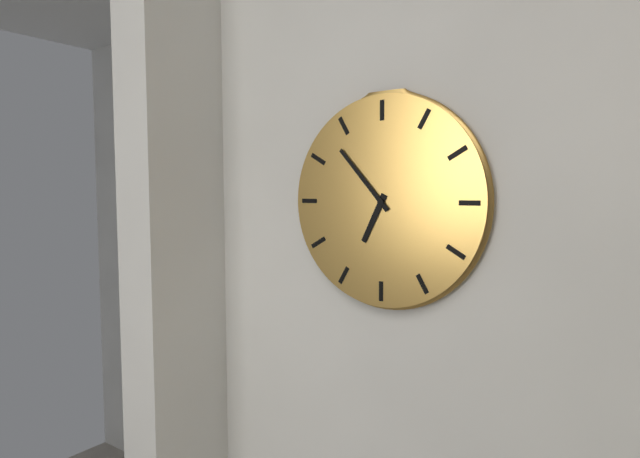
6:53
